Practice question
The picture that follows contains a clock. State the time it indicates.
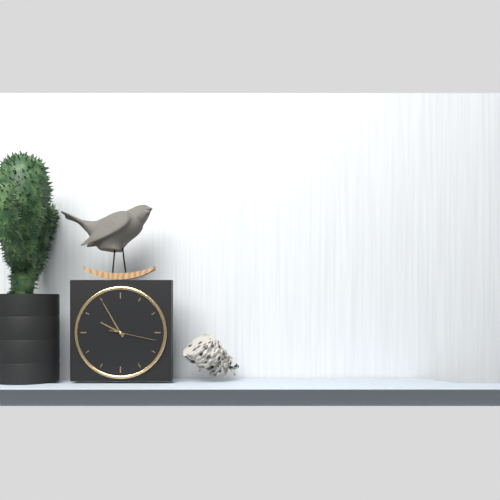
9:55
